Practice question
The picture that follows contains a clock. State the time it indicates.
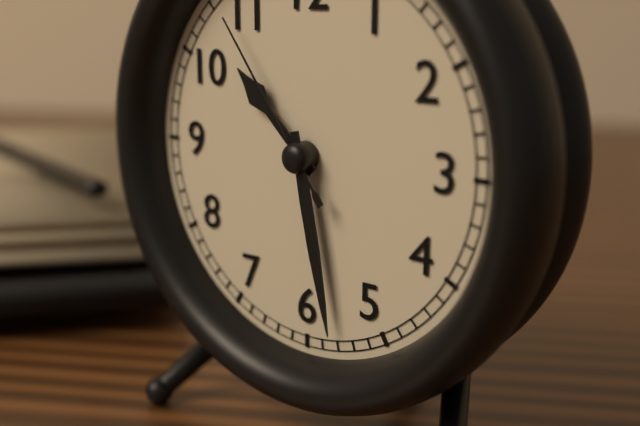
10:28:54
